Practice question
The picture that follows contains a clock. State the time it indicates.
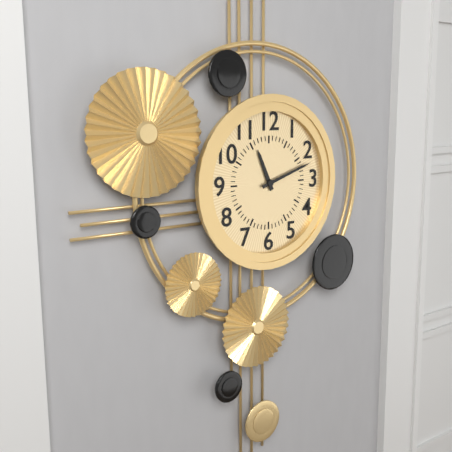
11:12
